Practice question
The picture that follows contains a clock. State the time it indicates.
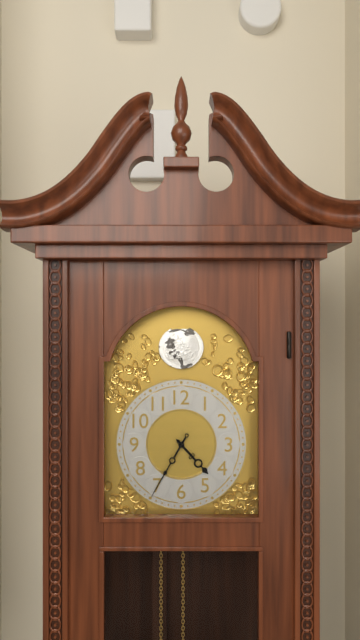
4:35
